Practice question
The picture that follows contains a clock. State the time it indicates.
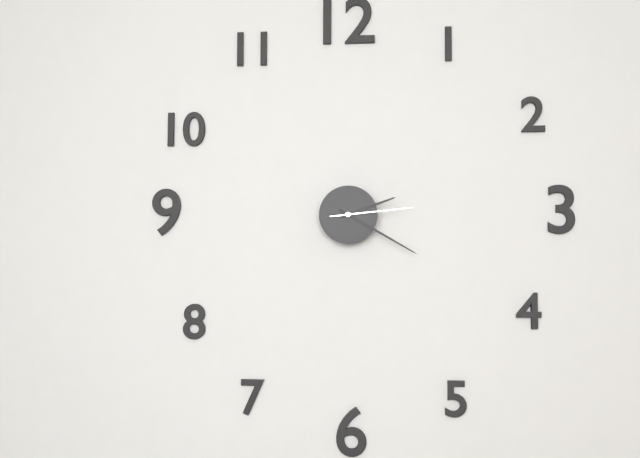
2:20:14
